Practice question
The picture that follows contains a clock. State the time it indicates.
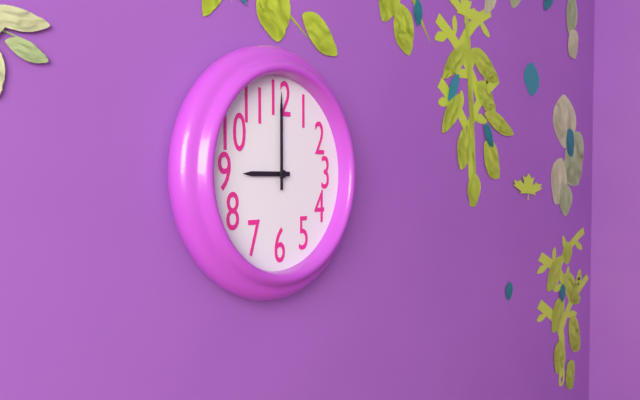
9:00
